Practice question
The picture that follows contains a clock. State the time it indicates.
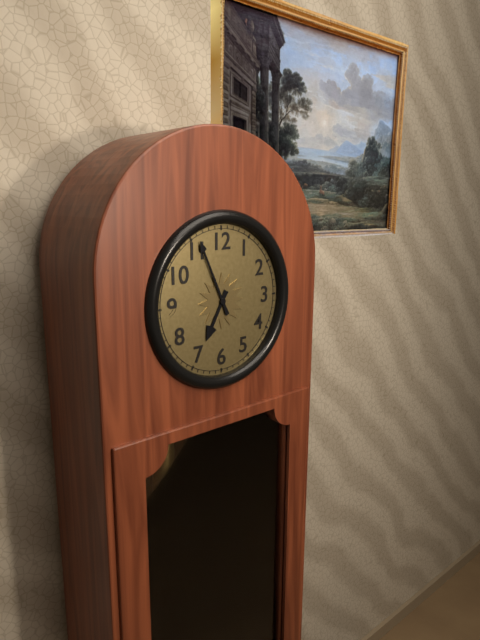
6:56
